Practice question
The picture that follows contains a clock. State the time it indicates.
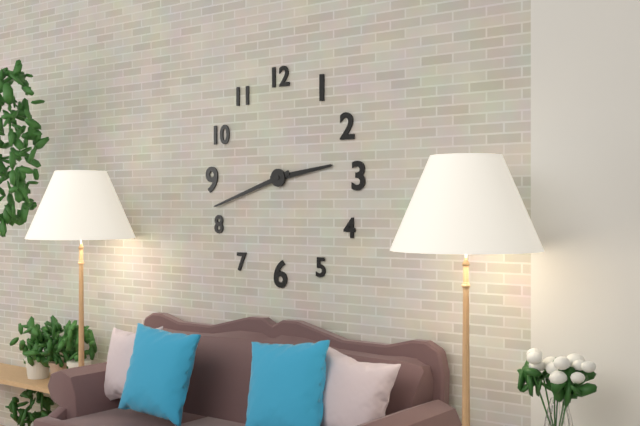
2:42
